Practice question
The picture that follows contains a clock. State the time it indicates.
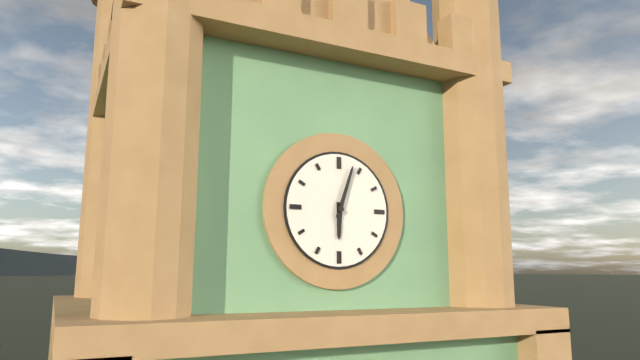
6:03
